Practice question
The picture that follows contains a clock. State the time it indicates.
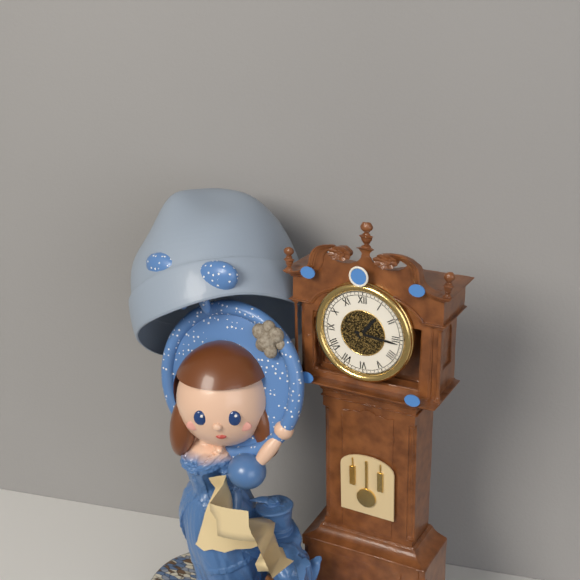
1:16
